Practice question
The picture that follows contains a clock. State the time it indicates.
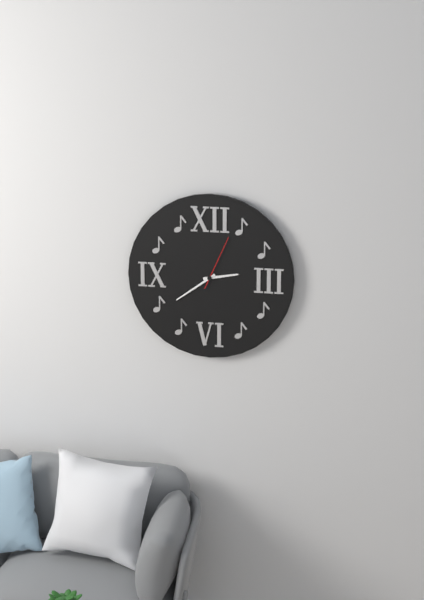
2:39:04
